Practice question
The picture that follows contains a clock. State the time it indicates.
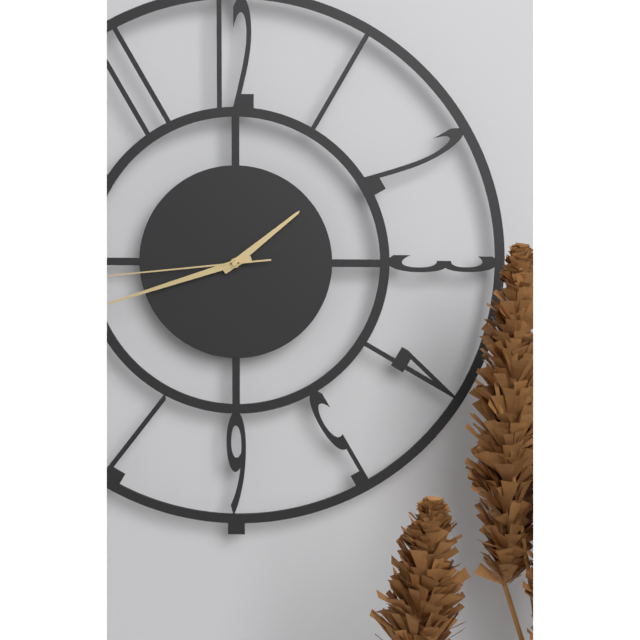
1:42:44
